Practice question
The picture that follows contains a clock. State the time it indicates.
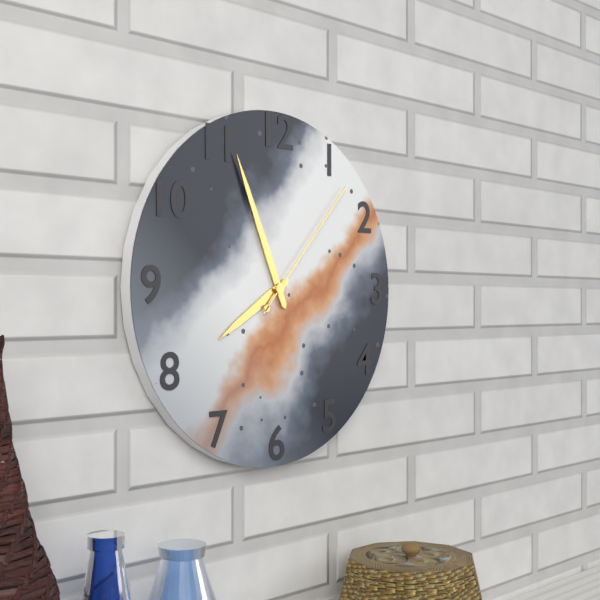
7:56:07
